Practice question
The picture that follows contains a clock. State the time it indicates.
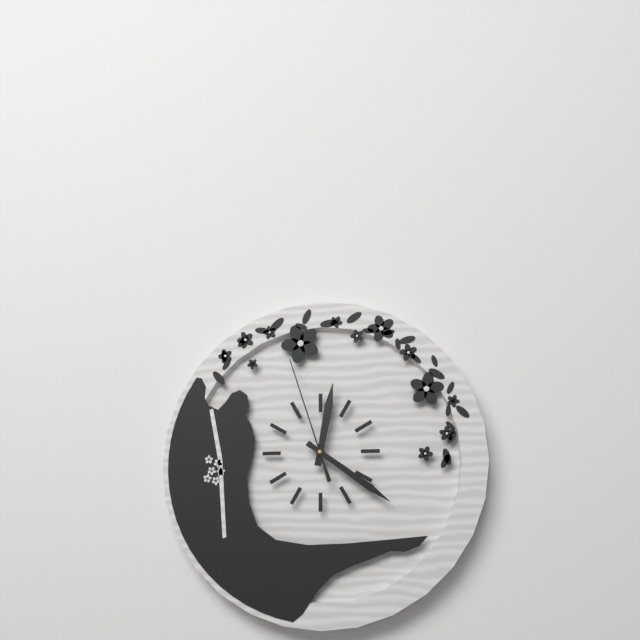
12:21:57
